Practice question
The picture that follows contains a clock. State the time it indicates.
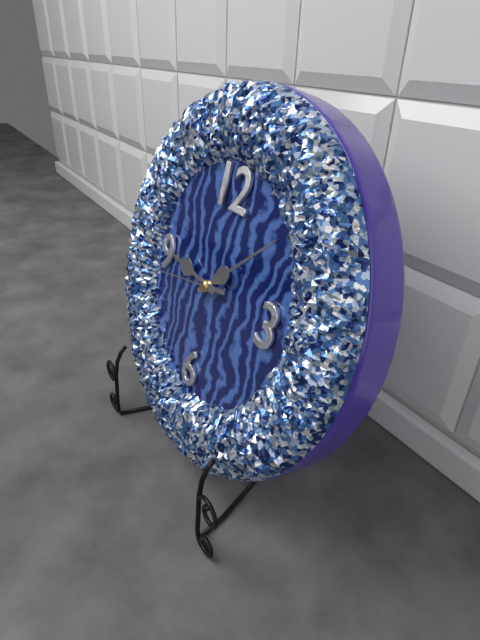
9:08:43
